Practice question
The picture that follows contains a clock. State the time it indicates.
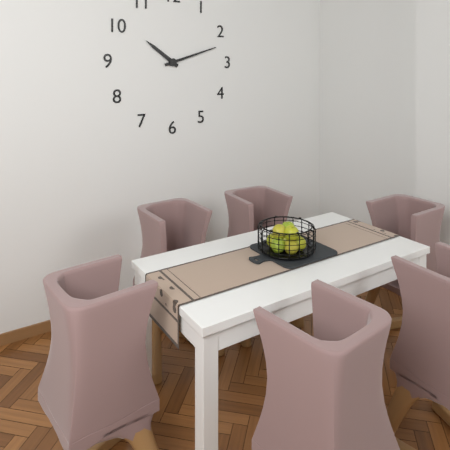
10:12
